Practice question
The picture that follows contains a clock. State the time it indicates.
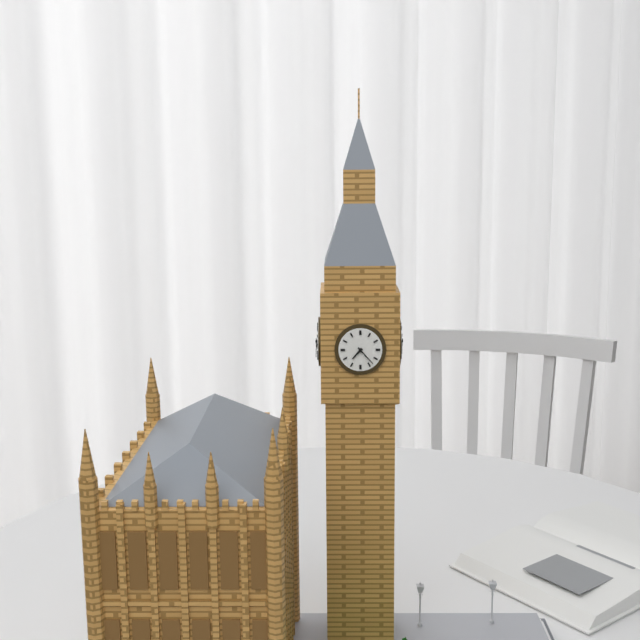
7:23
